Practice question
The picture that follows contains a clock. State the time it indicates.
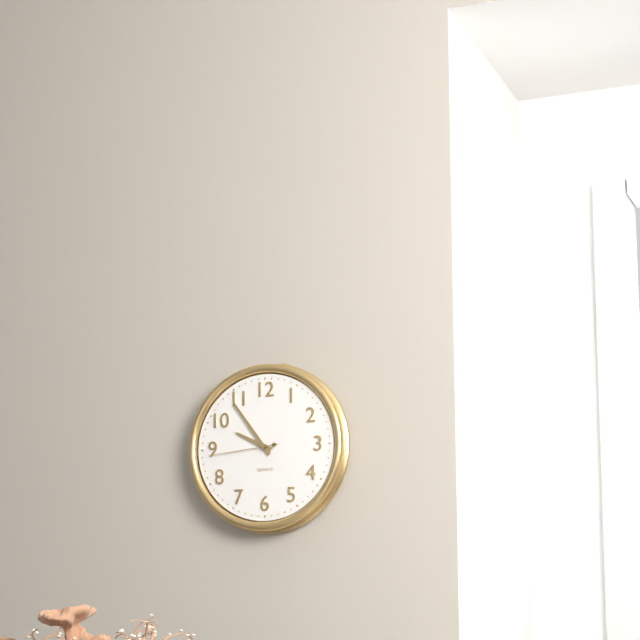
9:54:44
